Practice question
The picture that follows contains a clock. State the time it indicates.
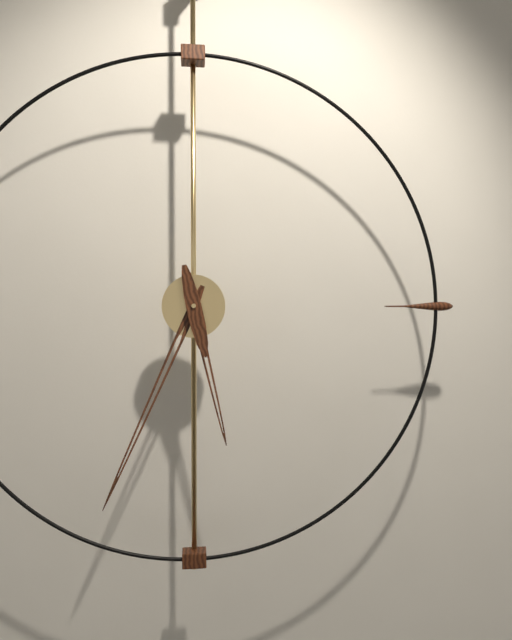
5:34
